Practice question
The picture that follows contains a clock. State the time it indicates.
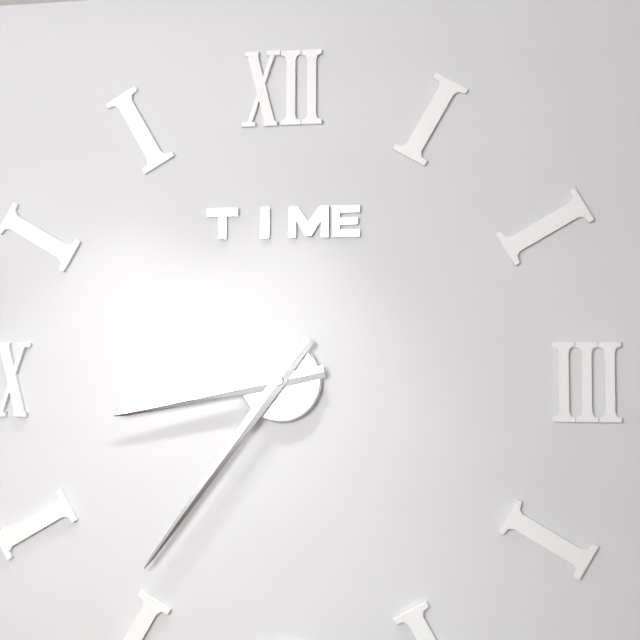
8:36
